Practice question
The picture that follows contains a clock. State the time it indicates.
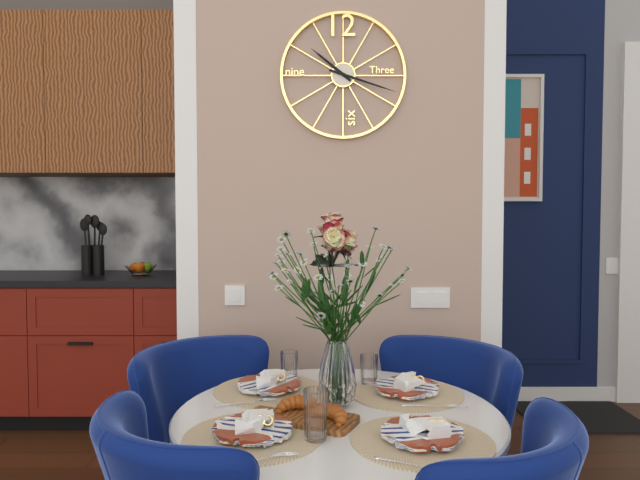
10:18
